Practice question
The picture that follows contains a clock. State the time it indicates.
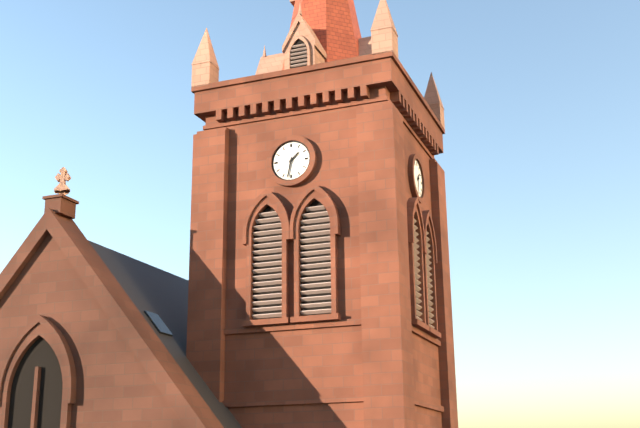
1:32
